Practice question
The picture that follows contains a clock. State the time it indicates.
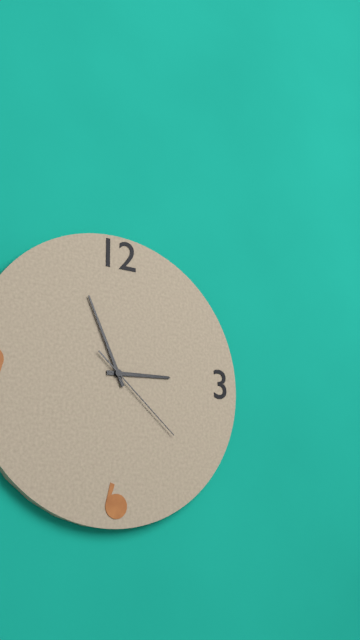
2:56:22
